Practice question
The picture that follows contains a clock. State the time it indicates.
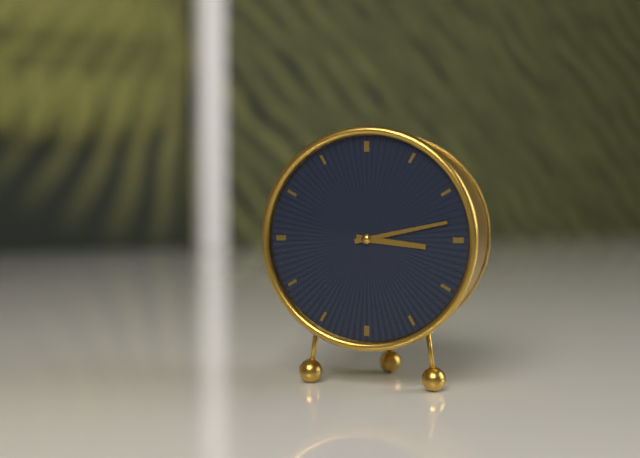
3:13
